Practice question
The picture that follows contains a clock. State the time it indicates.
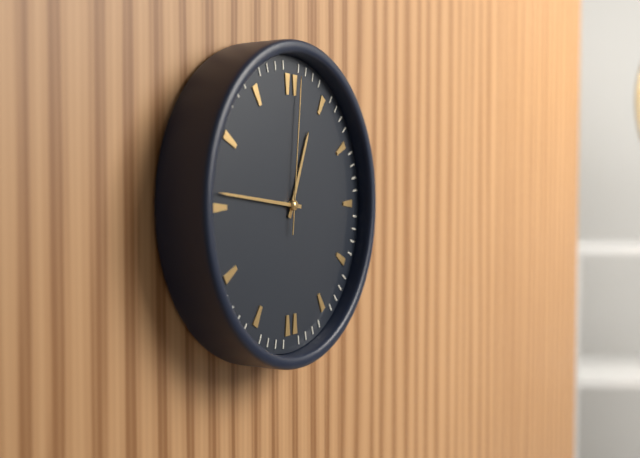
12:46:01
